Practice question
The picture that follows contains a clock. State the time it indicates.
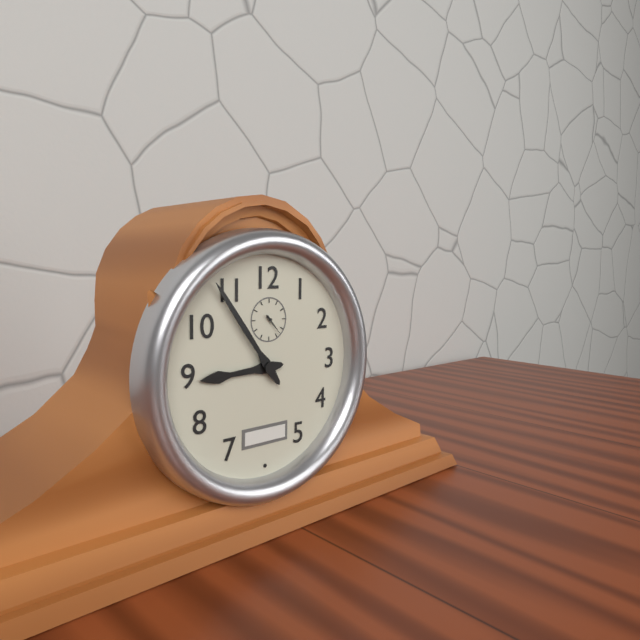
8:54
